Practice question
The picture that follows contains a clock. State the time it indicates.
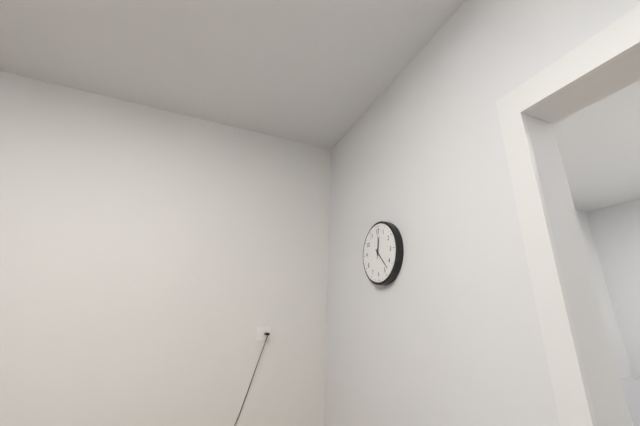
12:23
